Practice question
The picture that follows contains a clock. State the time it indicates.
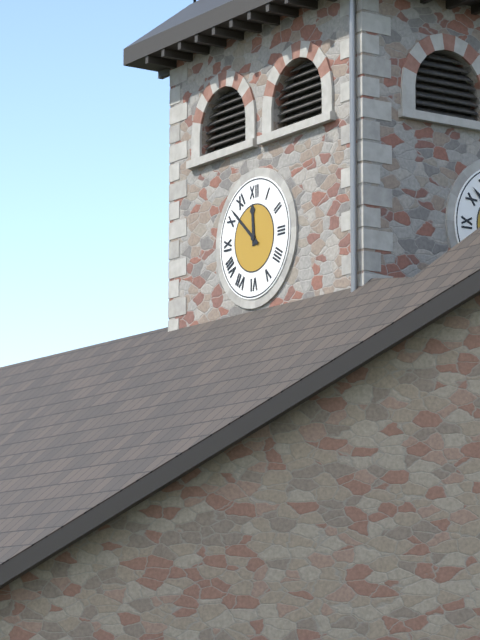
11:52
